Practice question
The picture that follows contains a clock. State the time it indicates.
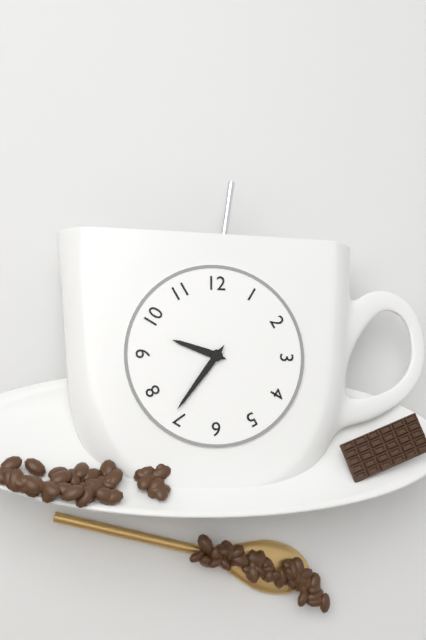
9:36
